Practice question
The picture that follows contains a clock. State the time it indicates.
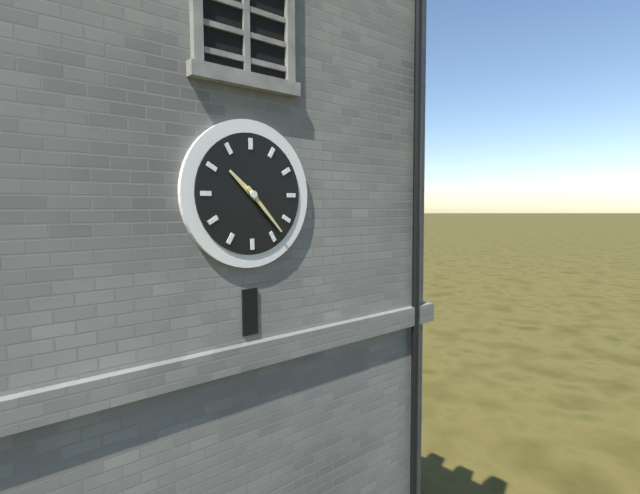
10:23
